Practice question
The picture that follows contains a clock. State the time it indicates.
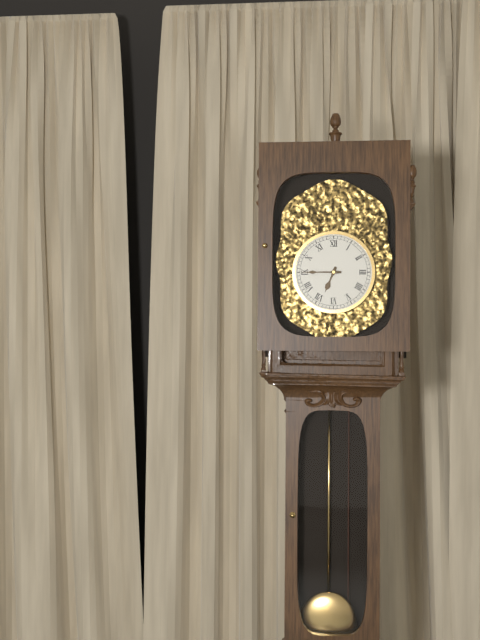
6:45
